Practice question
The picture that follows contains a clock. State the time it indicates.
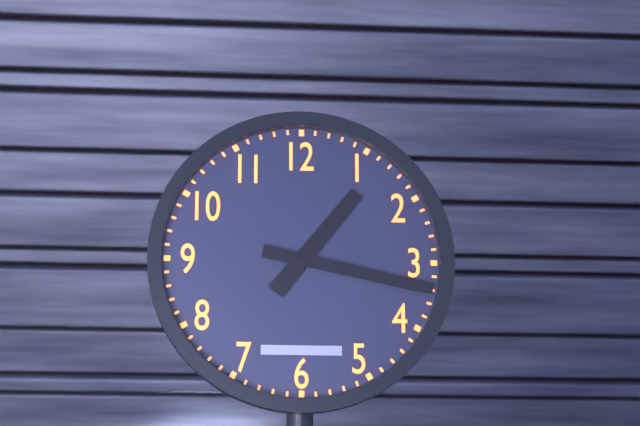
1:17
